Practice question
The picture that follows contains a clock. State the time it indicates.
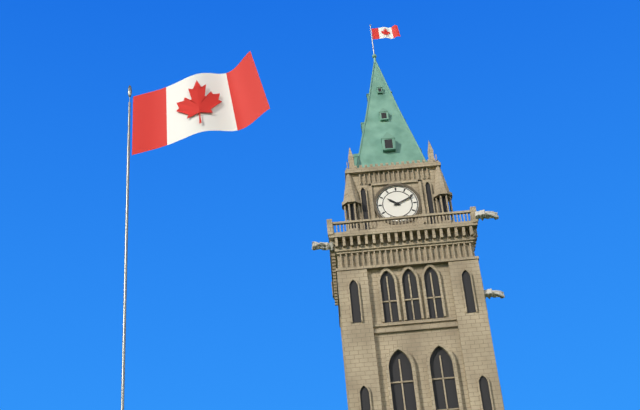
10:11
